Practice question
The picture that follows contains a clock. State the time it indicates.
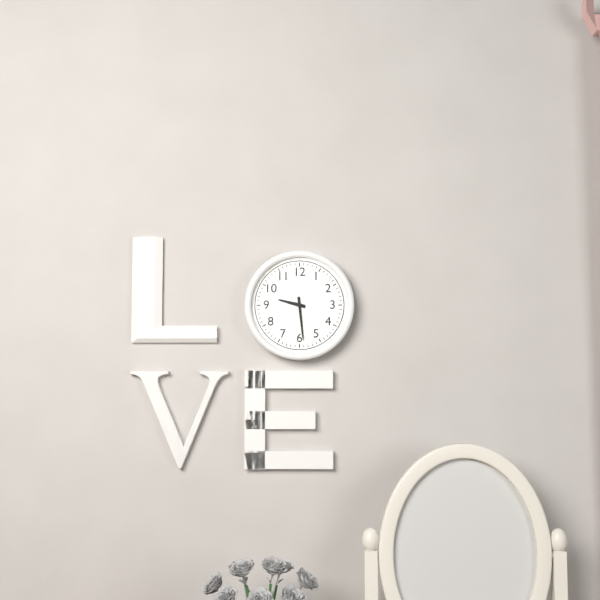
9:29
